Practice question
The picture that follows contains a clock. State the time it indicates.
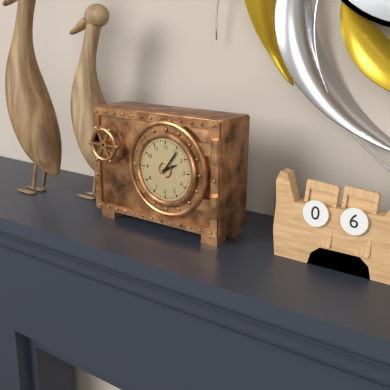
2:06
